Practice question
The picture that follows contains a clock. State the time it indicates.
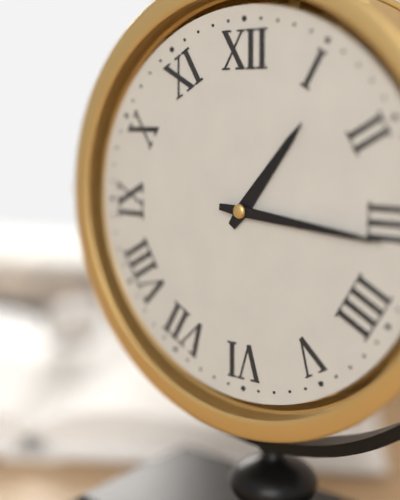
1:16
